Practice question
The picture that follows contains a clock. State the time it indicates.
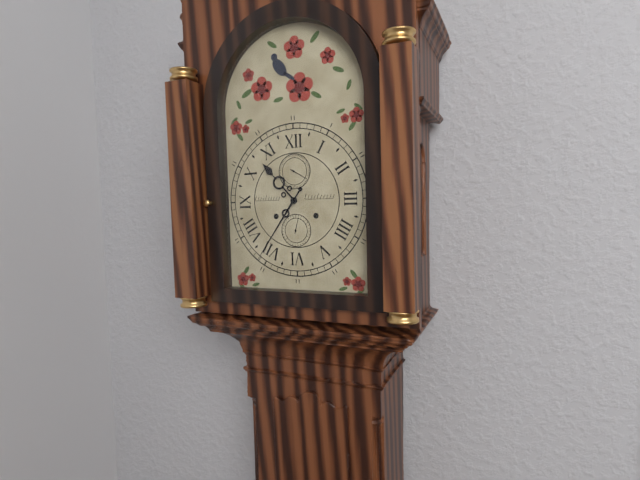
10:36
